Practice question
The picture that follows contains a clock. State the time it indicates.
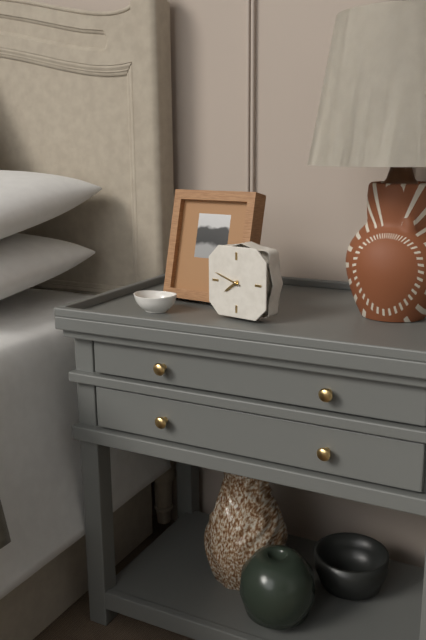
7:48
